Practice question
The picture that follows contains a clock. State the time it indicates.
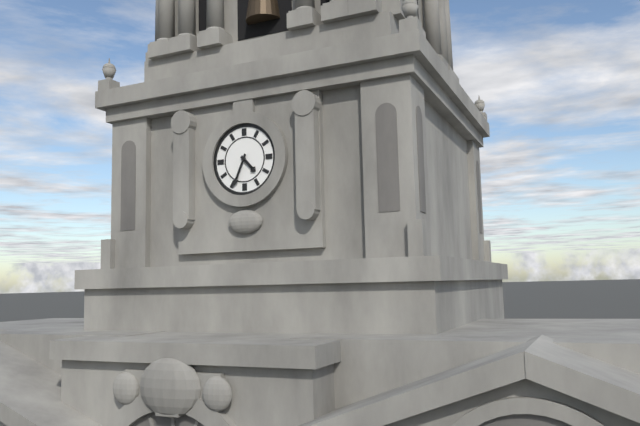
4:34
